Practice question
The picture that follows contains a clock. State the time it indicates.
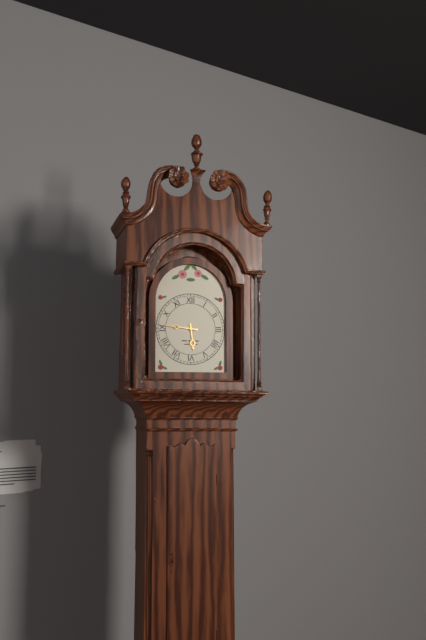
5:46
